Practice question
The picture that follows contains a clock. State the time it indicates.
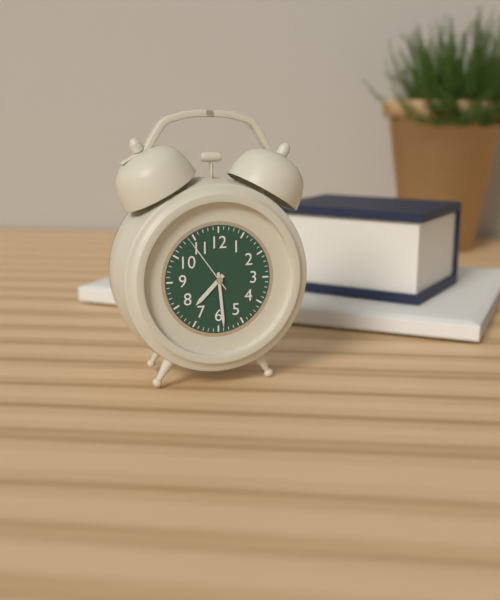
7:29:54
